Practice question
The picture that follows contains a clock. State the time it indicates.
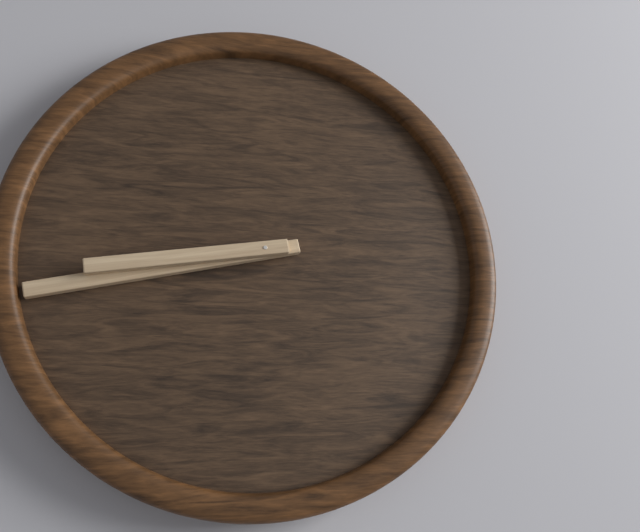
8:43
